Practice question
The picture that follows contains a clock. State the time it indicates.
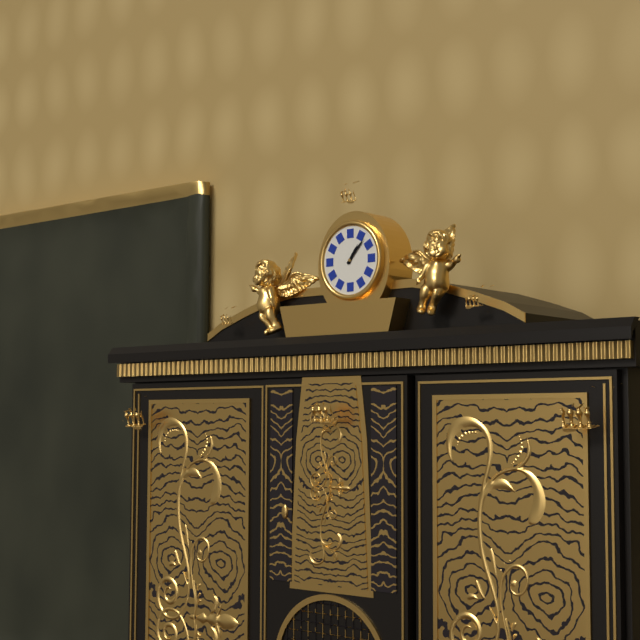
1:07
